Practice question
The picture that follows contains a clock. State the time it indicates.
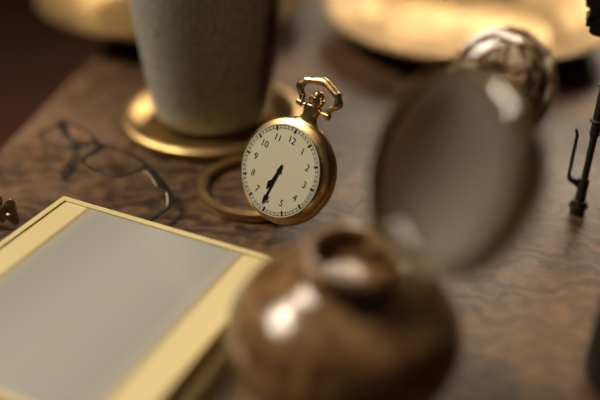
6:31
